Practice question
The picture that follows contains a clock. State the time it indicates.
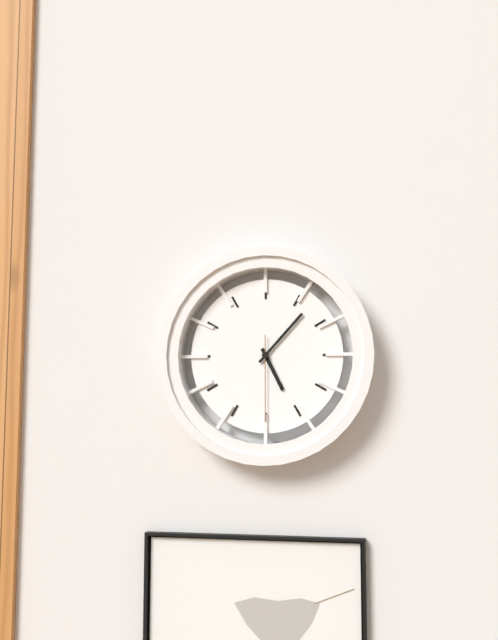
5:07:30
